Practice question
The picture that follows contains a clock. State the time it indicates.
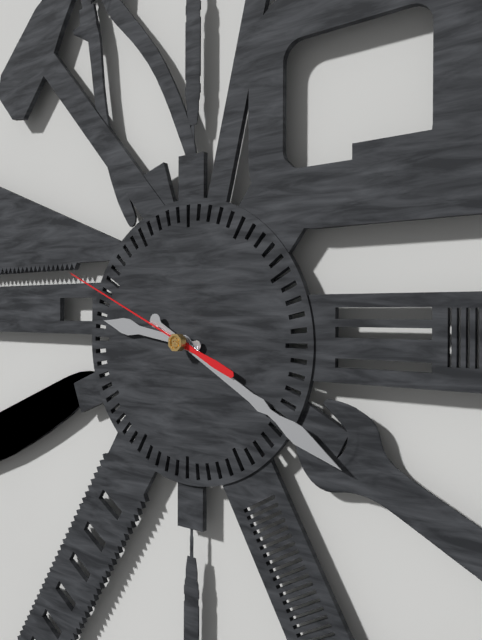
9:20:49
